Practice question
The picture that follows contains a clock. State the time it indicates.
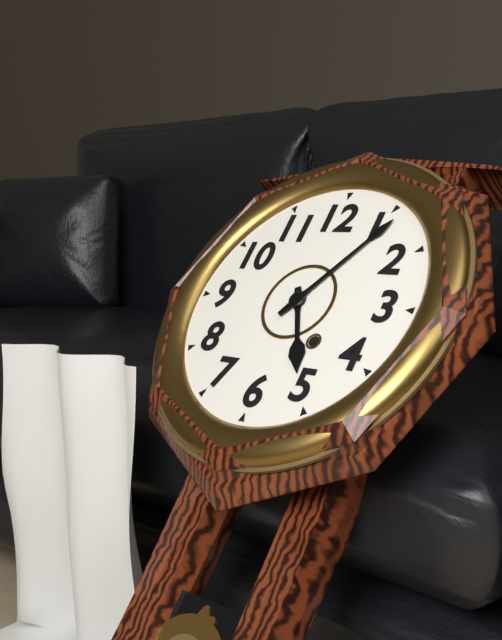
5:06
